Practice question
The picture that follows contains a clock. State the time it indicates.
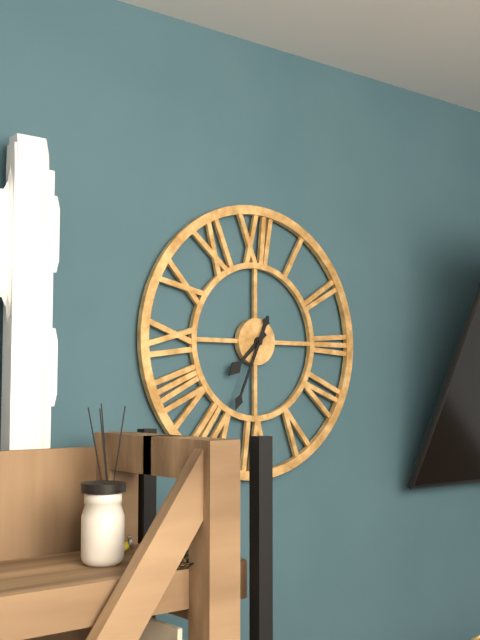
7:34
